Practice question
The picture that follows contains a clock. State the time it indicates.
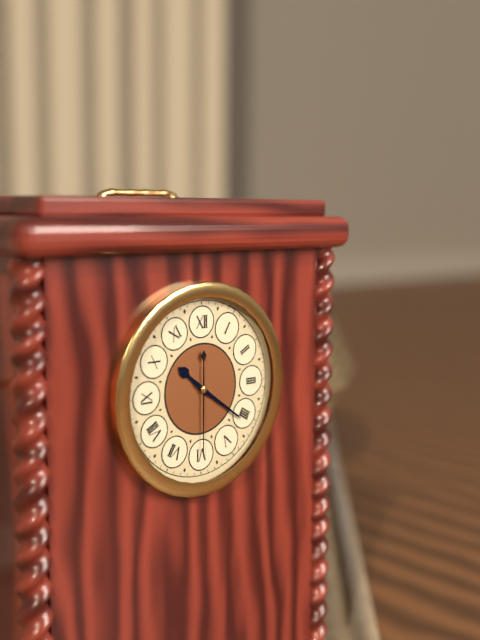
10:21:30
